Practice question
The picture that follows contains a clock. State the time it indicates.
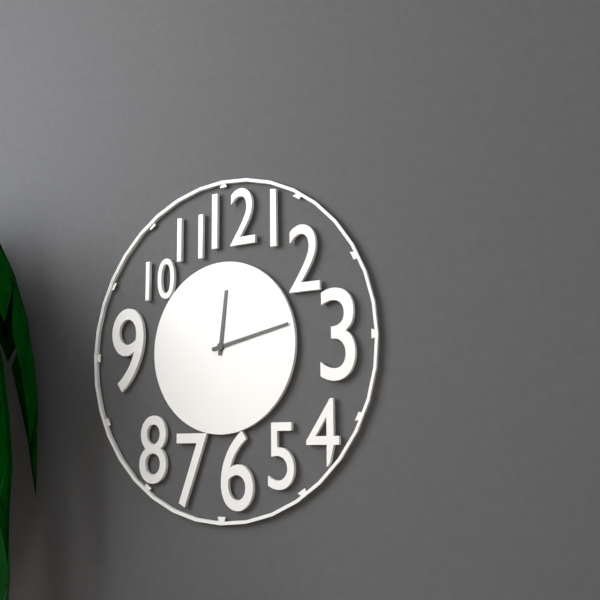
12:13
